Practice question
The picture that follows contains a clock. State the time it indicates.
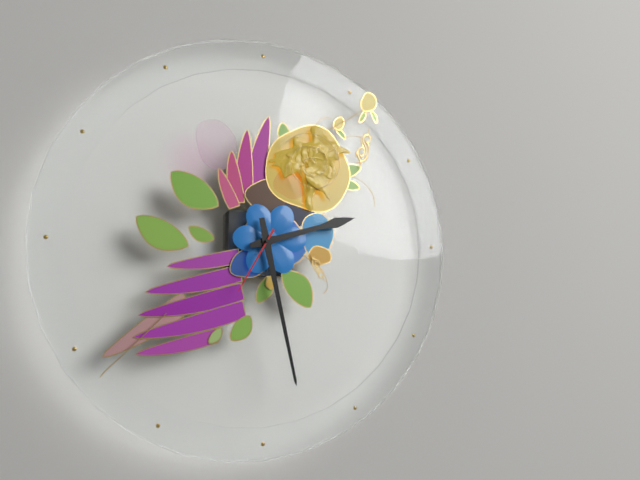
2:28:35
